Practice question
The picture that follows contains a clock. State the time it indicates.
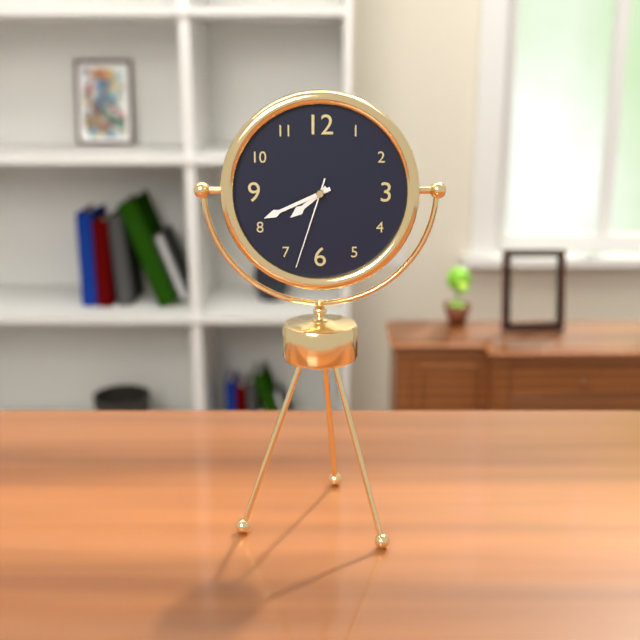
7:41:33
